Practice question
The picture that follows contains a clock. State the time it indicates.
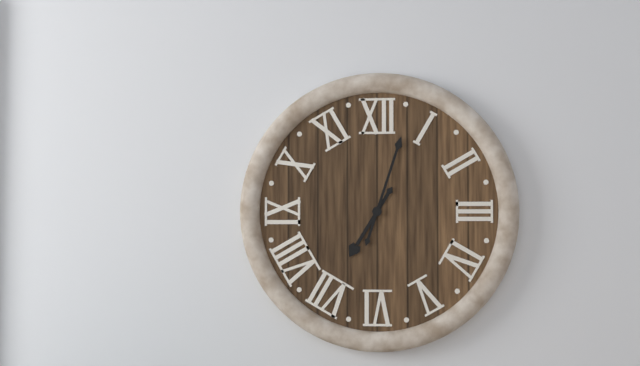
7:03
